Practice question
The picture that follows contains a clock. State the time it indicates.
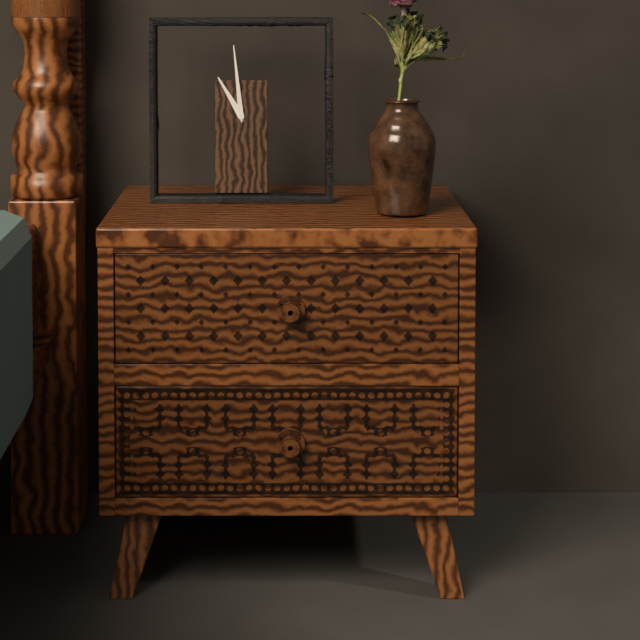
10:59
